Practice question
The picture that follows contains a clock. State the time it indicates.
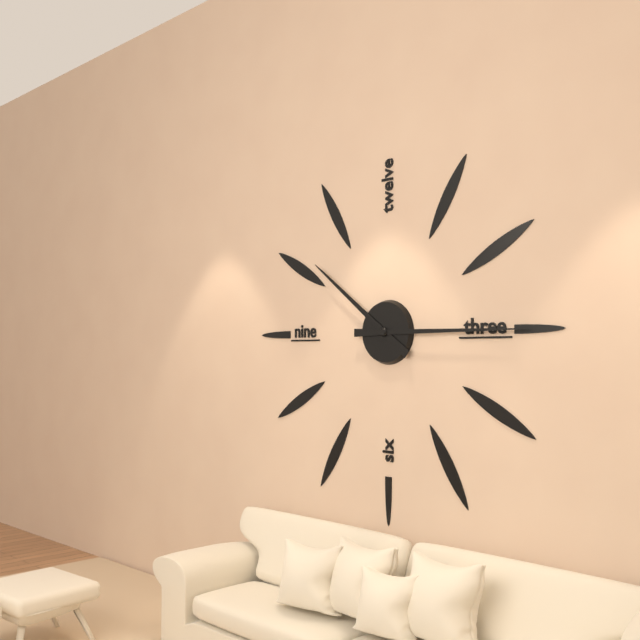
10:15
